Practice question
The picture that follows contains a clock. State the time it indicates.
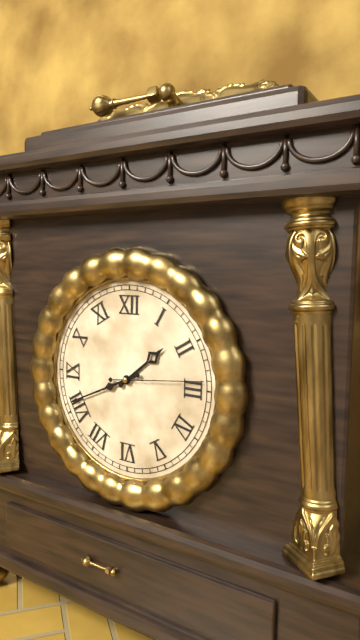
1:41:14
